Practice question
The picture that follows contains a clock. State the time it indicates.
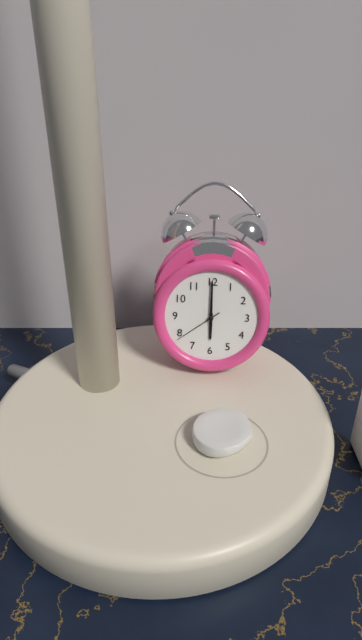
6:00
